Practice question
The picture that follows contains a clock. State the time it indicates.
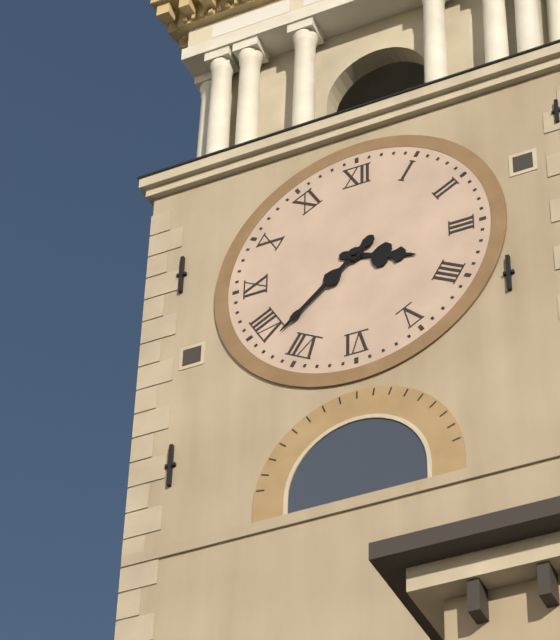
3:38
